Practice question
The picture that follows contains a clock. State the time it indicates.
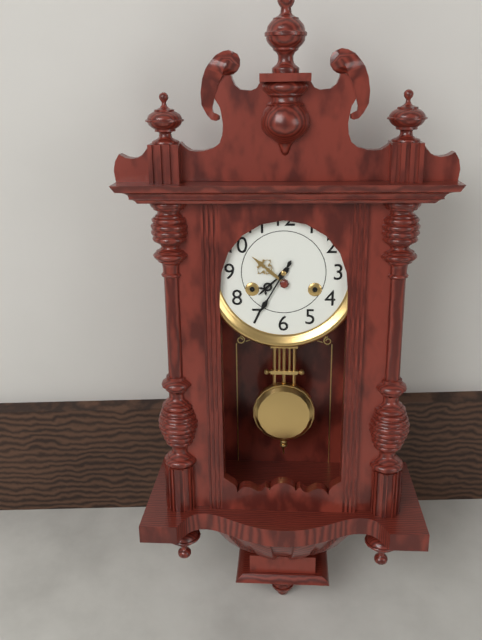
7:35
